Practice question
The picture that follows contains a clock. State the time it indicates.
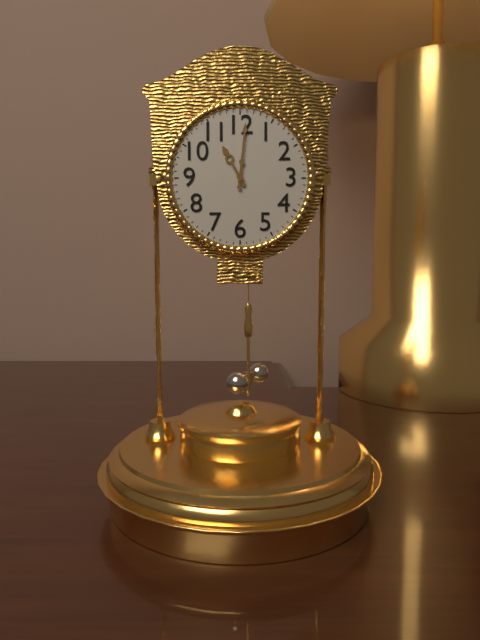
11:01
